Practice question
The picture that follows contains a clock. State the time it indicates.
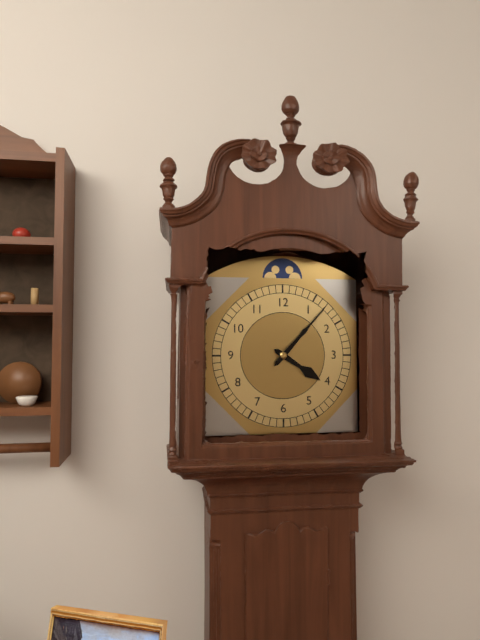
4:07
